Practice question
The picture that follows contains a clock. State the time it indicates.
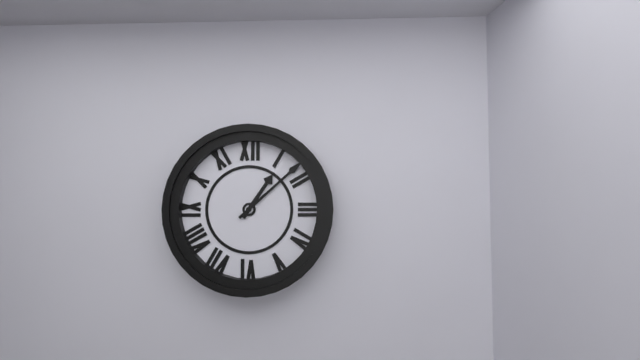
1:08
